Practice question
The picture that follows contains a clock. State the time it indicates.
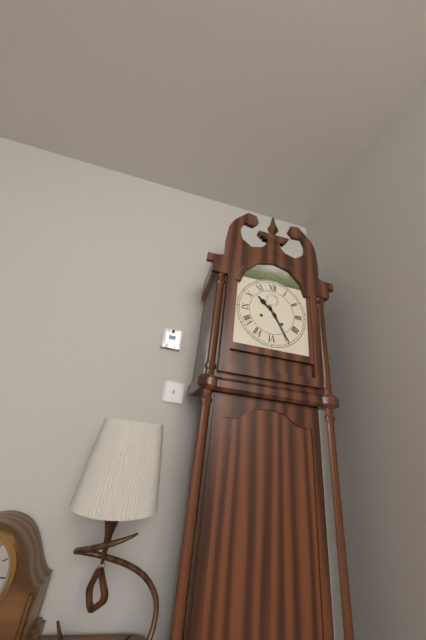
10:25
